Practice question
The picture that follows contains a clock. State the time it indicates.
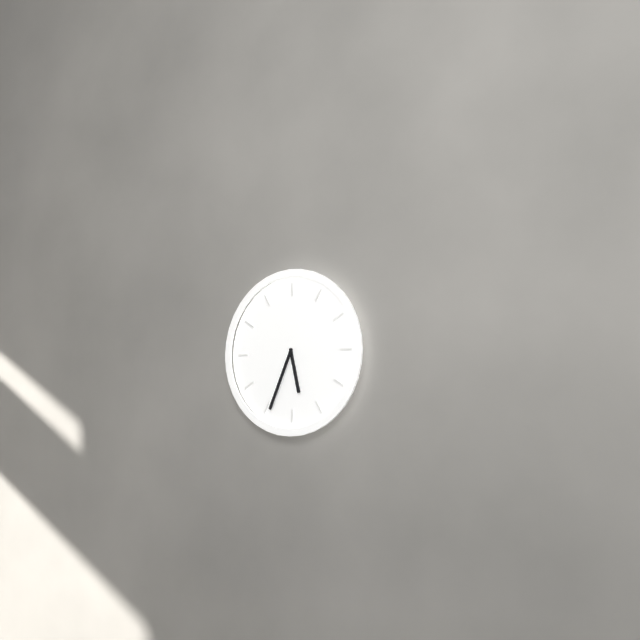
5:34
